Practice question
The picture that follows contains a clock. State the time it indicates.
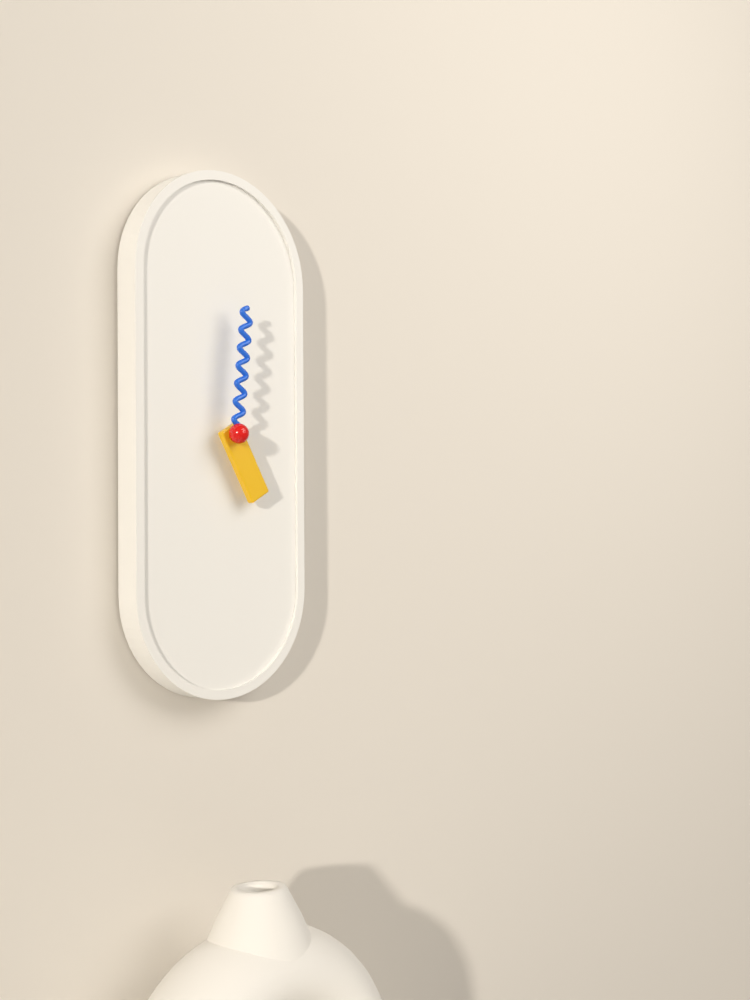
5:01
